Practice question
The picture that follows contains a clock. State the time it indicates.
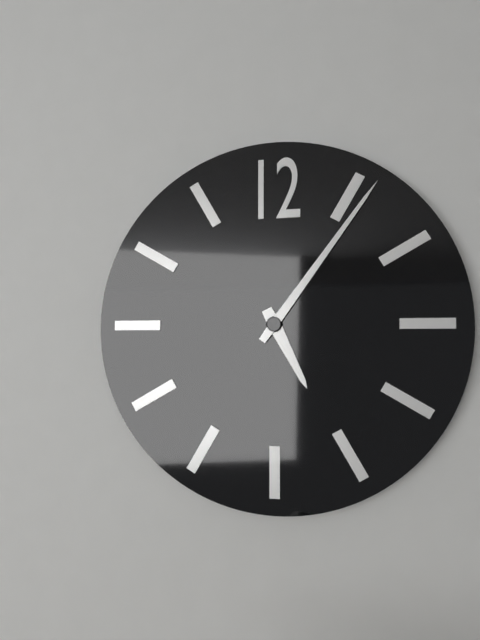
5:06
